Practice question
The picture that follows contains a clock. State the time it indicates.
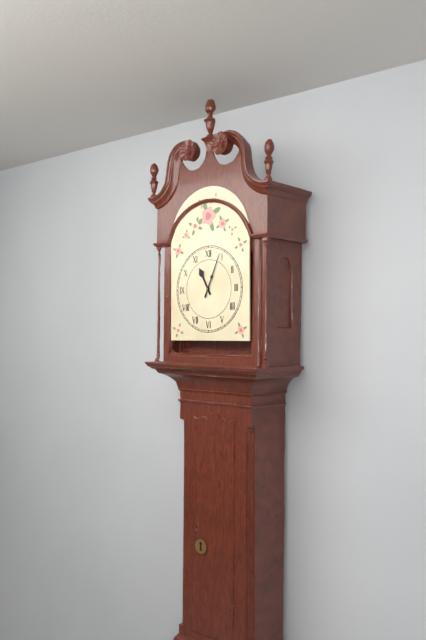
11:04
